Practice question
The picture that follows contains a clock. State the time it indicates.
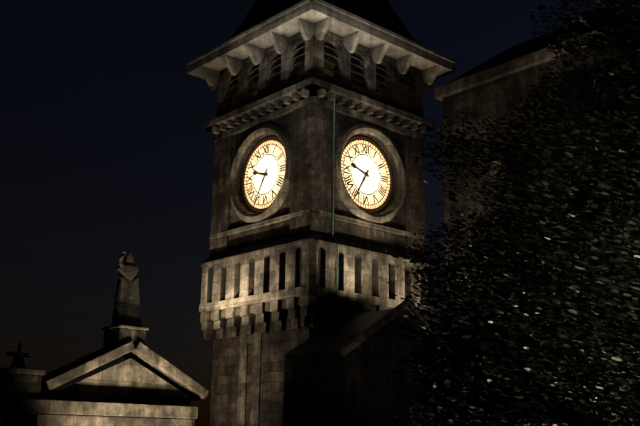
9:35
